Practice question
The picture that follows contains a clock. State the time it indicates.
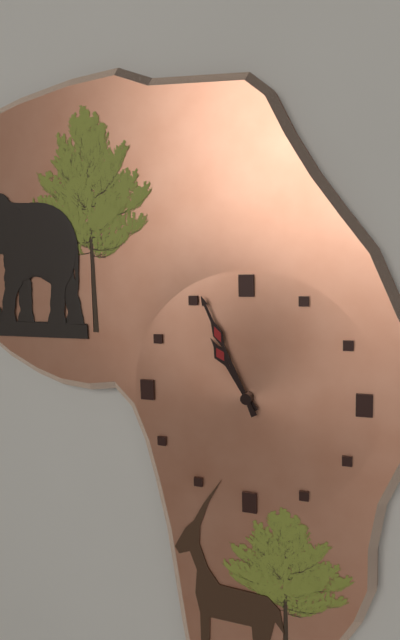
10:56
